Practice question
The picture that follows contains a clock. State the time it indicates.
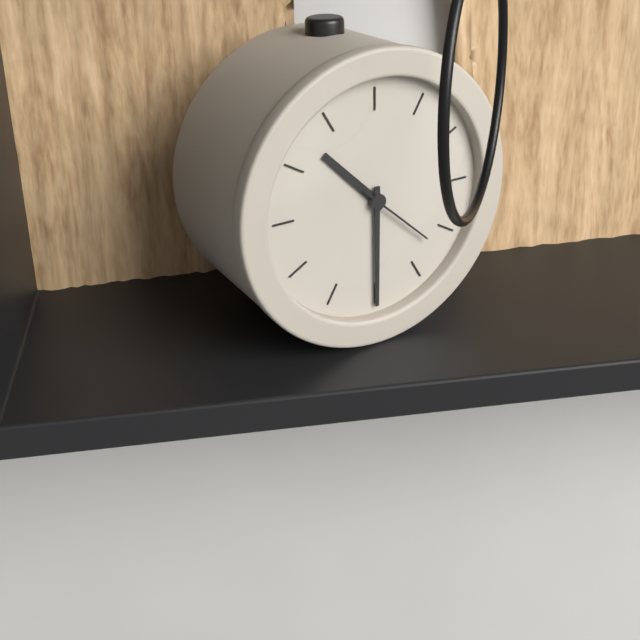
10:30:22
